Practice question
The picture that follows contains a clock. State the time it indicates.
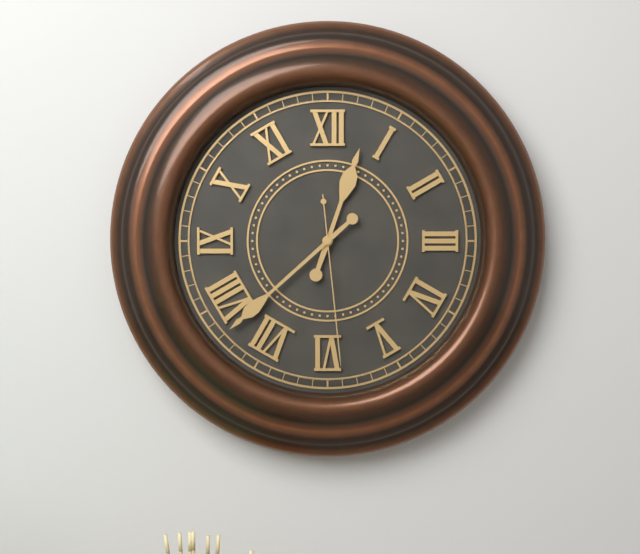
12:38:29
